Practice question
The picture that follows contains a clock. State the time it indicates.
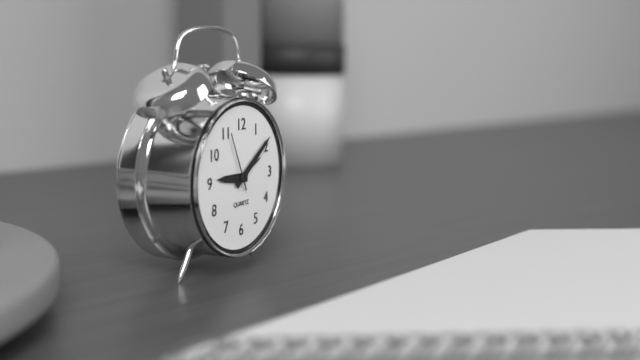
9:09:56
